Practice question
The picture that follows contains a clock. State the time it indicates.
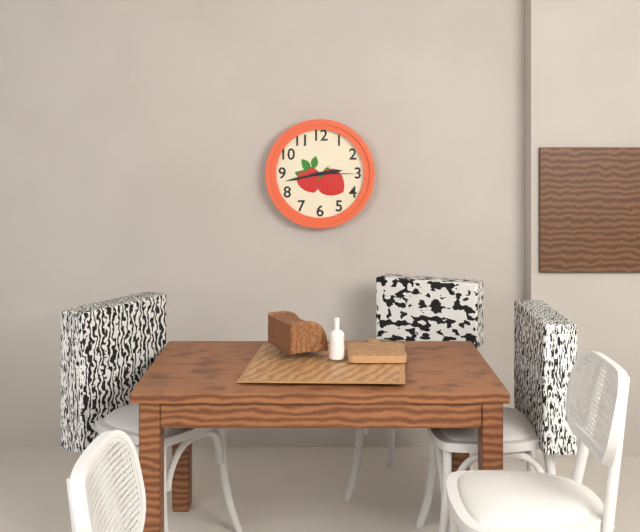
2:43
